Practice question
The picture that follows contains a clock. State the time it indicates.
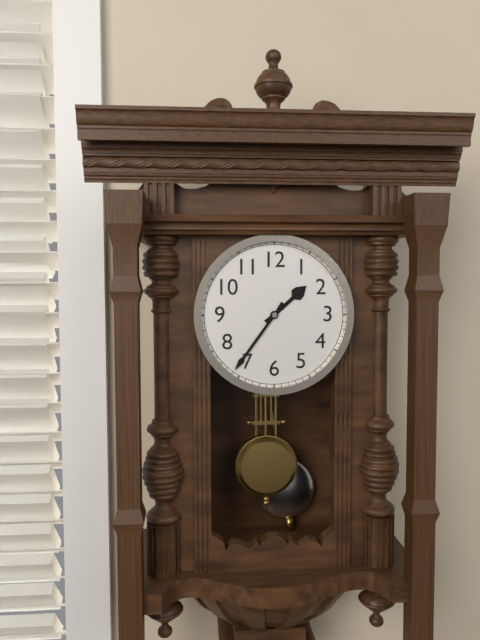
1:36
